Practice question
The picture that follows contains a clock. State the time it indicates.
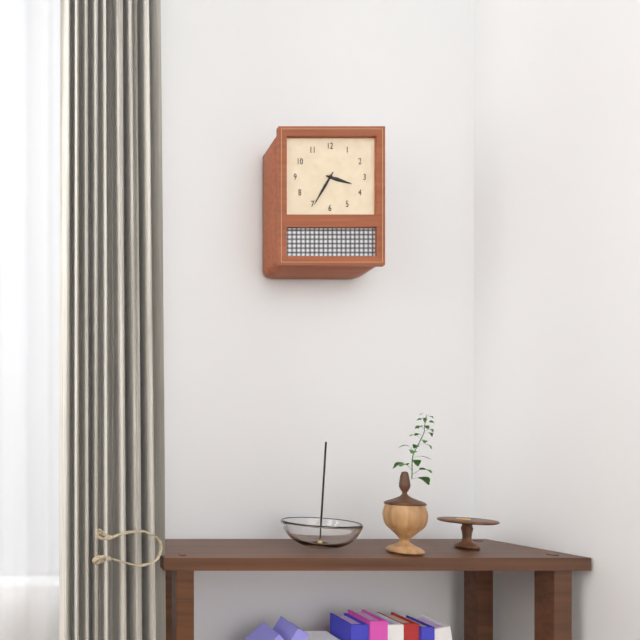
3:35
